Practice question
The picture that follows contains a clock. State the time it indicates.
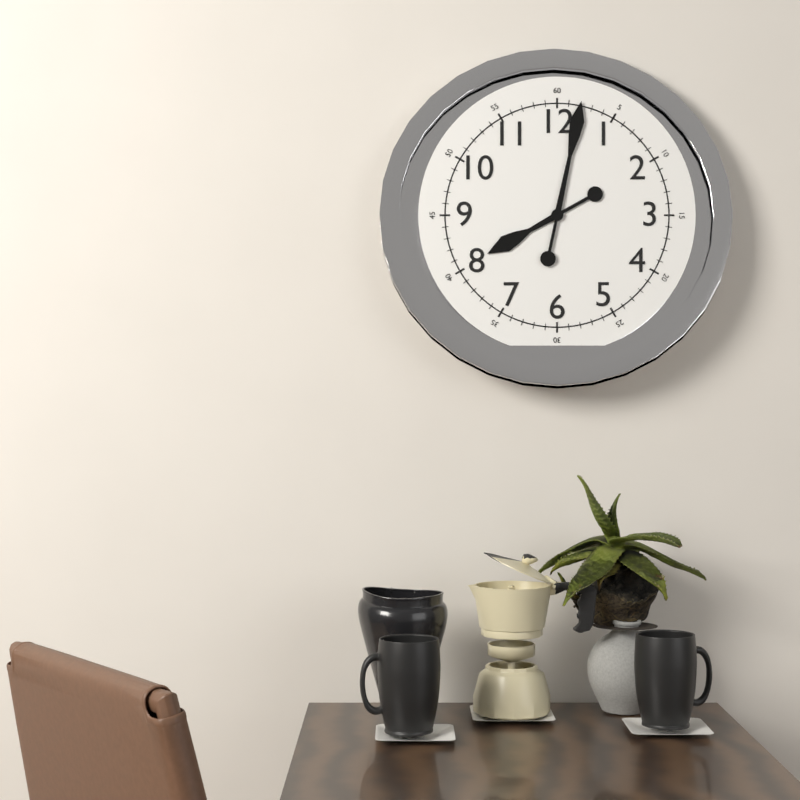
8:02
